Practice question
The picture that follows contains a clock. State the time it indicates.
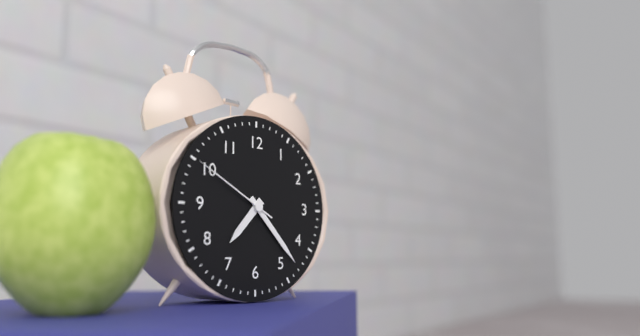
7:23:50
